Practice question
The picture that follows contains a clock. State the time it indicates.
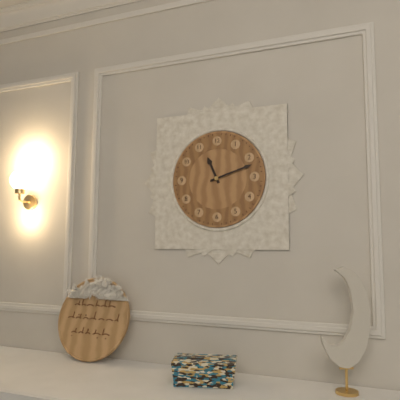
11:12
